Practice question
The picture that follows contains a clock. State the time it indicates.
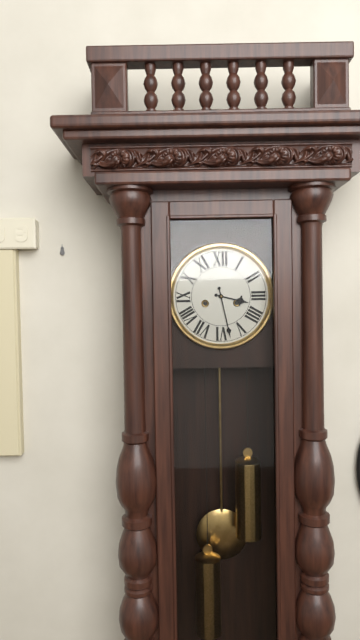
3:28
